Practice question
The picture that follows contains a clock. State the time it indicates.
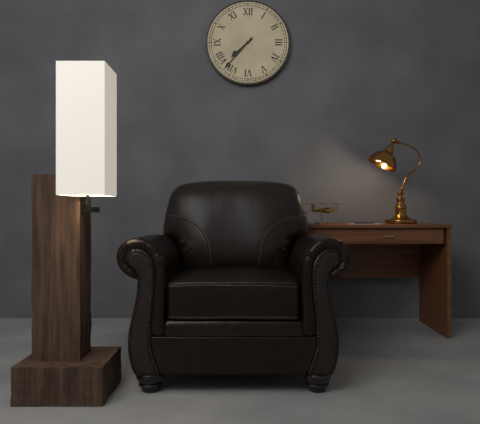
7:37
